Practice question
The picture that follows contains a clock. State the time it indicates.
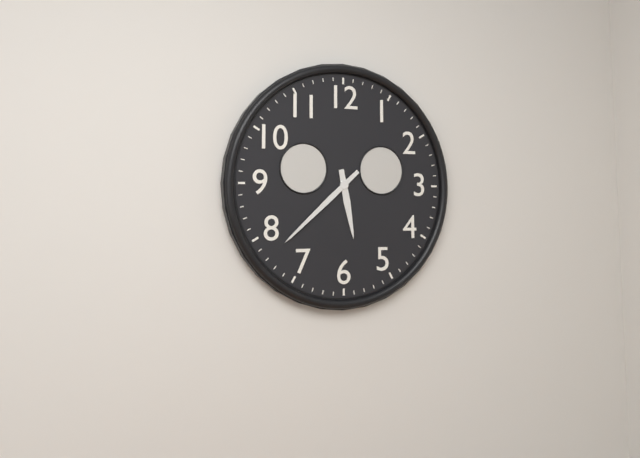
5:38
